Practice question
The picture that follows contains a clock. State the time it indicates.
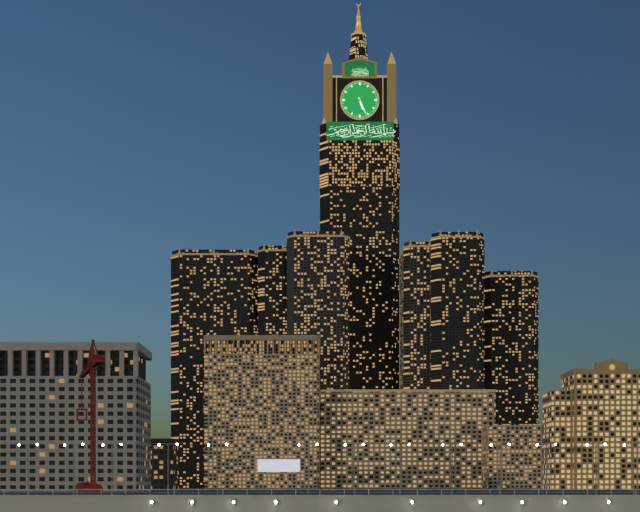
5:26
